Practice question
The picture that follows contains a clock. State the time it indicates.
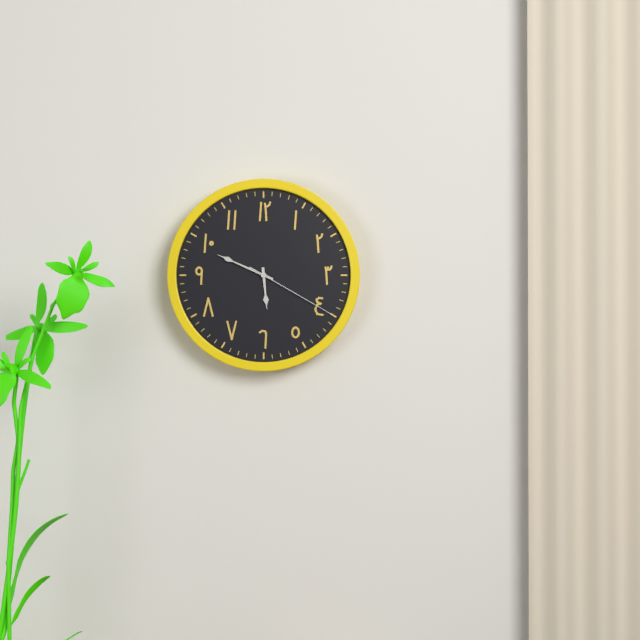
5:49:20
